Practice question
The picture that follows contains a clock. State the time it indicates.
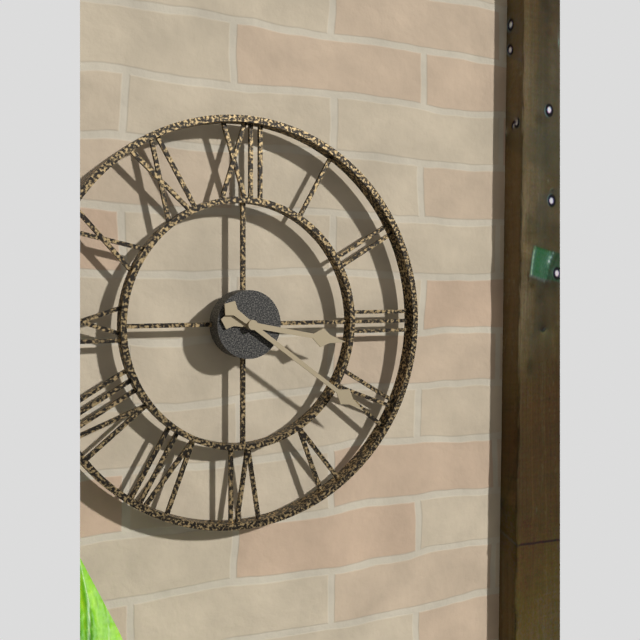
3:21
